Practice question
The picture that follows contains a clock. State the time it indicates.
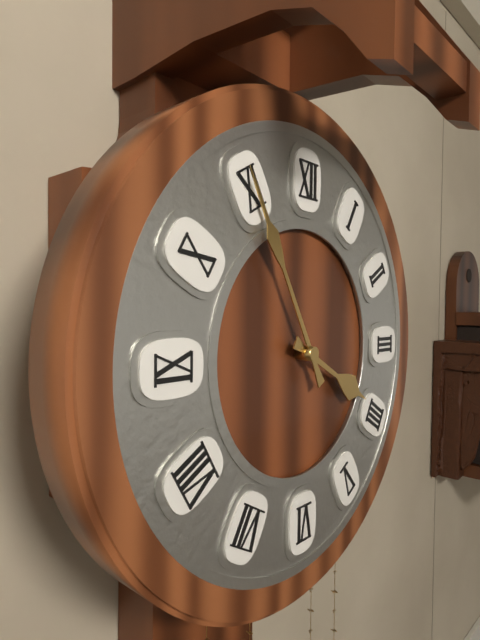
3:55
